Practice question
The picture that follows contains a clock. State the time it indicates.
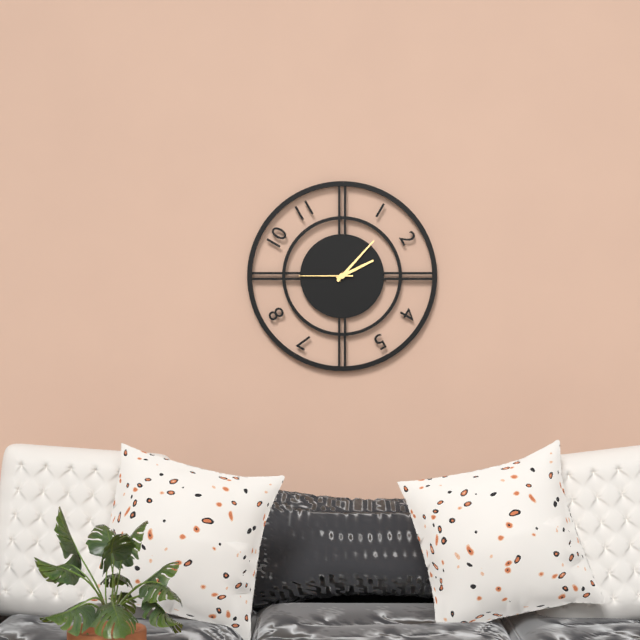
2:07:45
